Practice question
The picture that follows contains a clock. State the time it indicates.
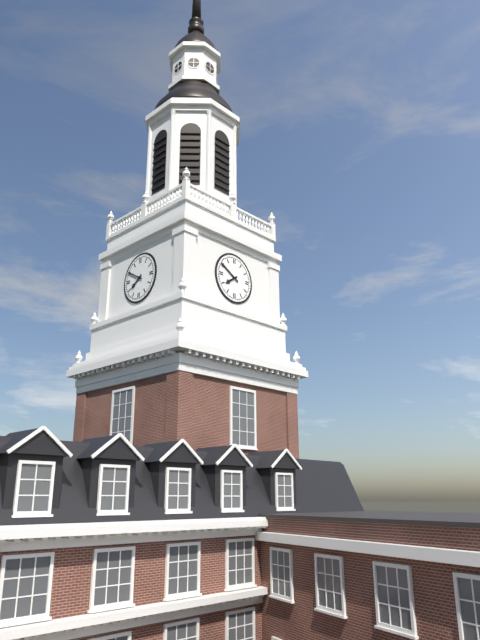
7:50
